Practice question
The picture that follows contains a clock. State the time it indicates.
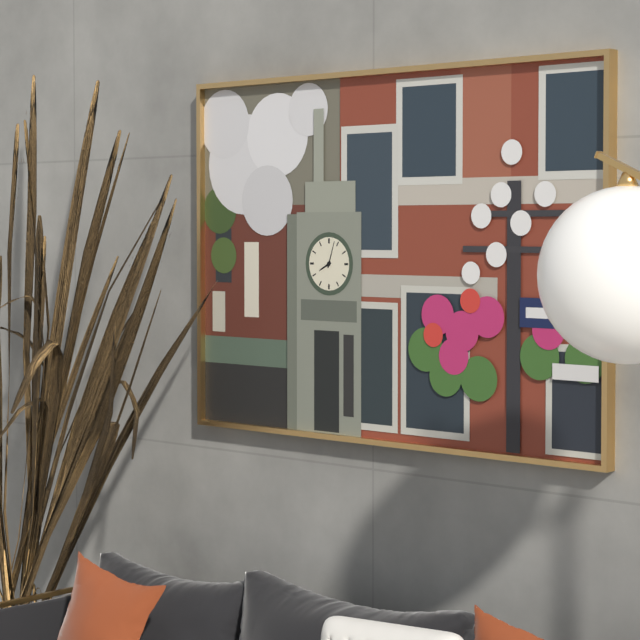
8:03
